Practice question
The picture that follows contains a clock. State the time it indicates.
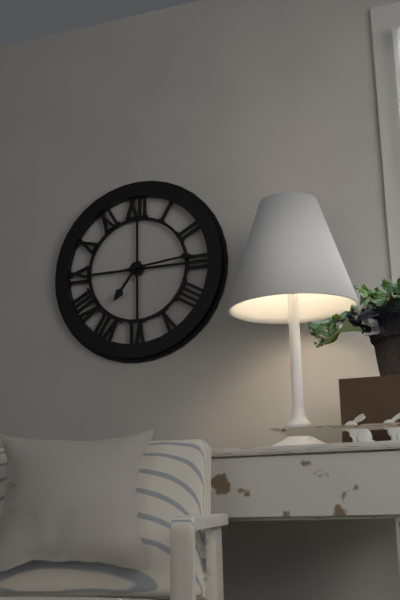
7:14
